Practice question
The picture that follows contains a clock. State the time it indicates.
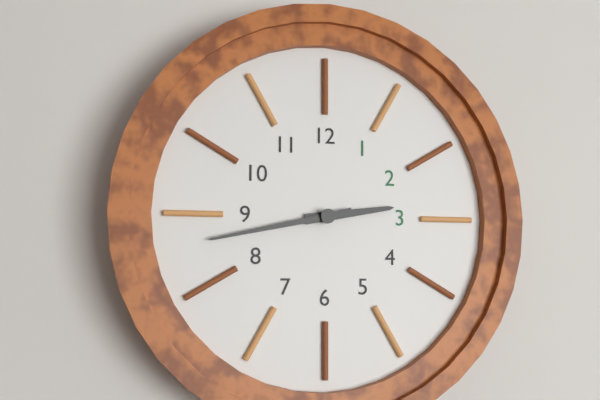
2:43
